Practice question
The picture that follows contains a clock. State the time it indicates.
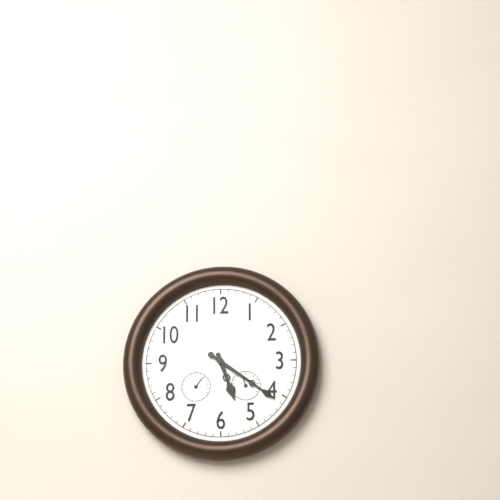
5:21
